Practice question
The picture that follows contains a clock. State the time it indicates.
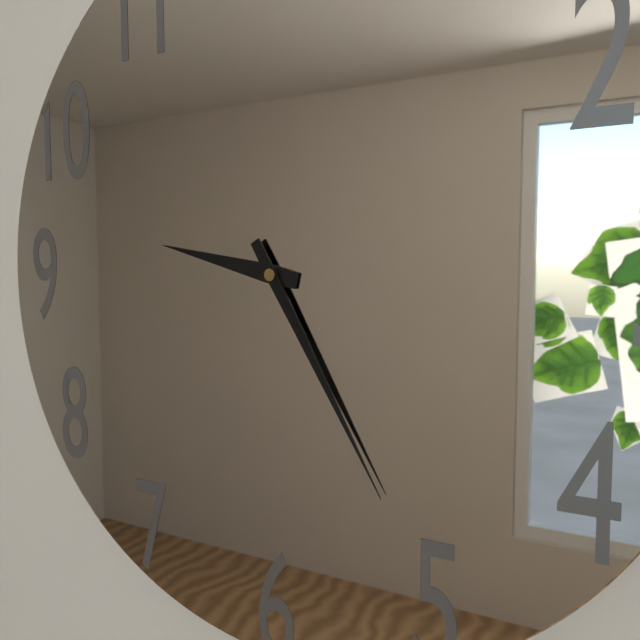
9:25
